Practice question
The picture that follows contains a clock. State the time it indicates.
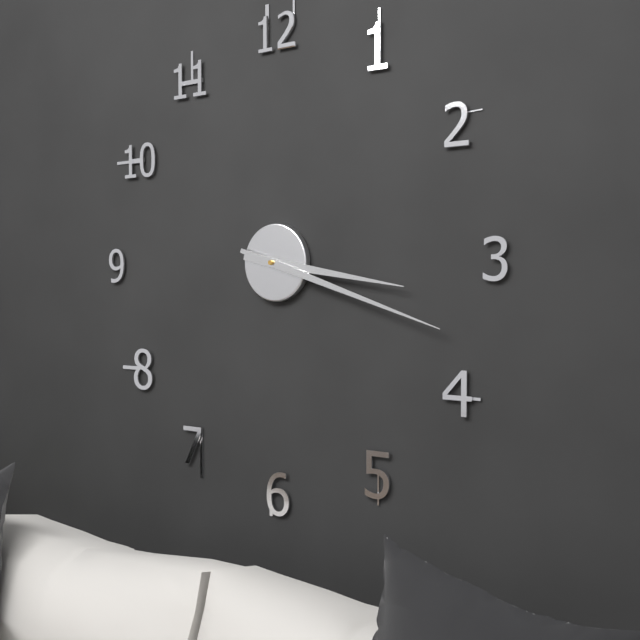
3:18
